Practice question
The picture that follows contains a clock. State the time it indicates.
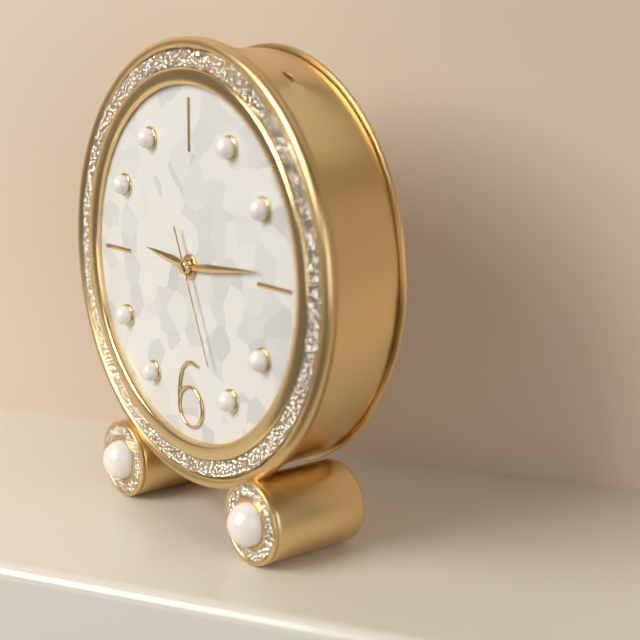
9:14:26
